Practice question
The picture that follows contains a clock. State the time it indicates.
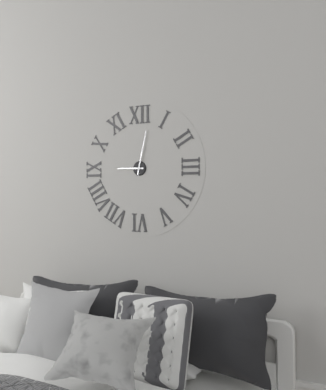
9:02
